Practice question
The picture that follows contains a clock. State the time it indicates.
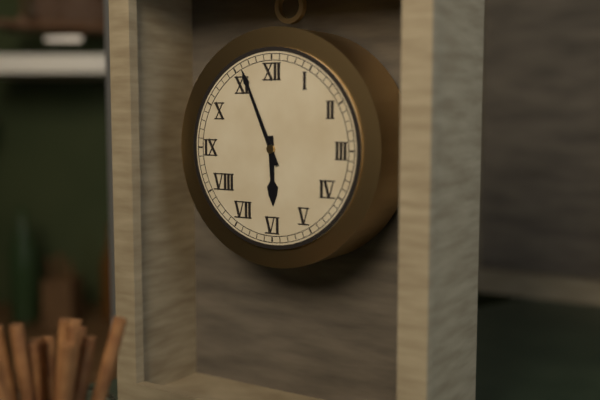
5:56
